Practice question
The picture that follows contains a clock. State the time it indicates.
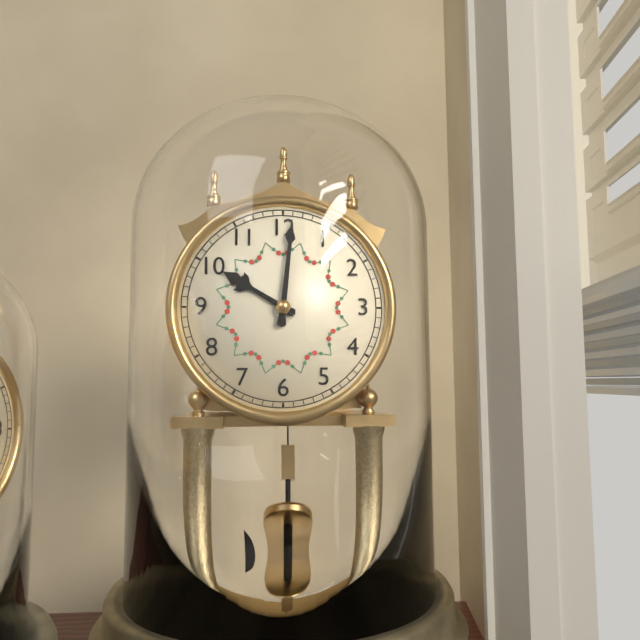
10:01
